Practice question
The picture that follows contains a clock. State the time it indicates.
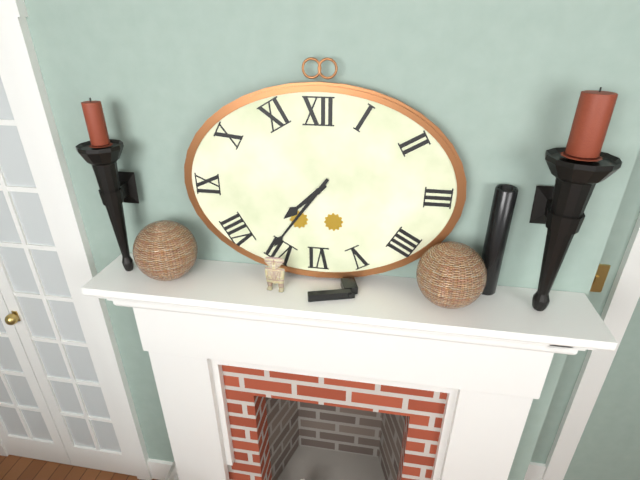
7:36
